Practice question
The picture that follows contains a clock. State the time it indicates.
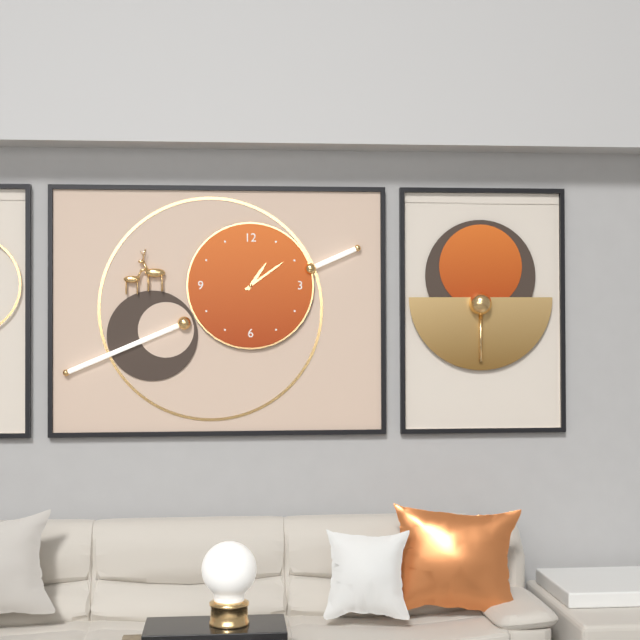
1:09
